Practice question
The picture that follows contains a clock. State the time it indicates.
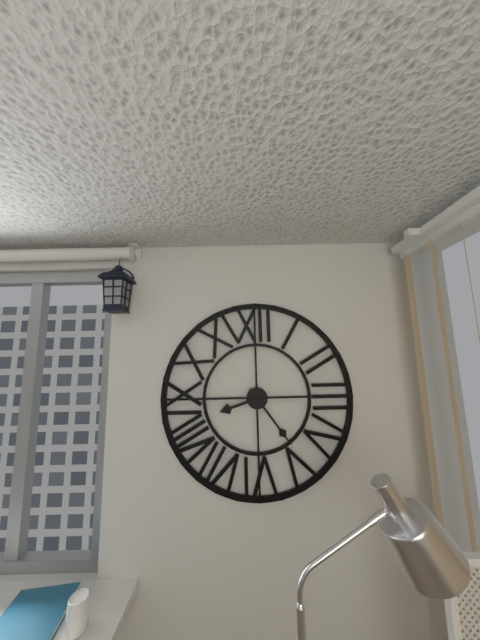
8:24
